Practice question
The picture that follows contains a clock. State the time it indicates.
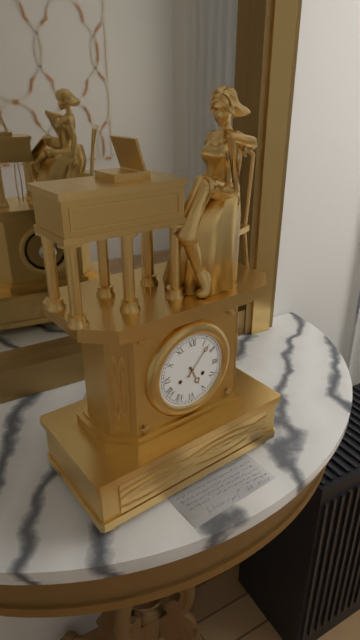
5:07
